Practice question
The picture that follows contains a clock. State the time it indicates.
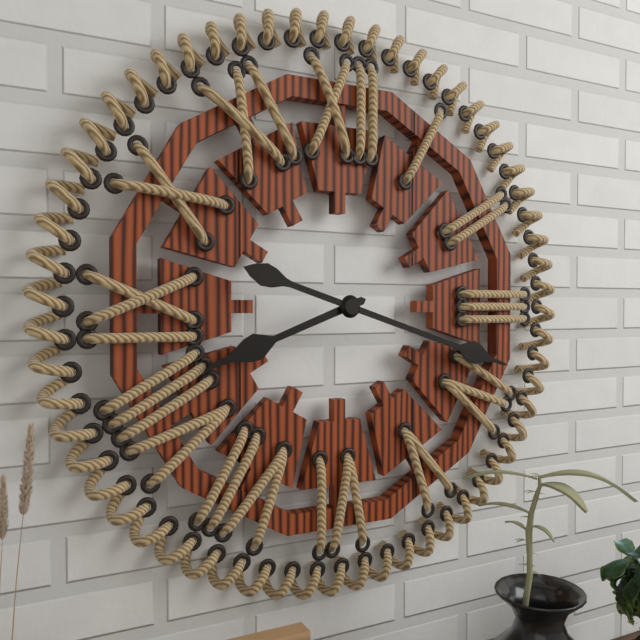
8:18
